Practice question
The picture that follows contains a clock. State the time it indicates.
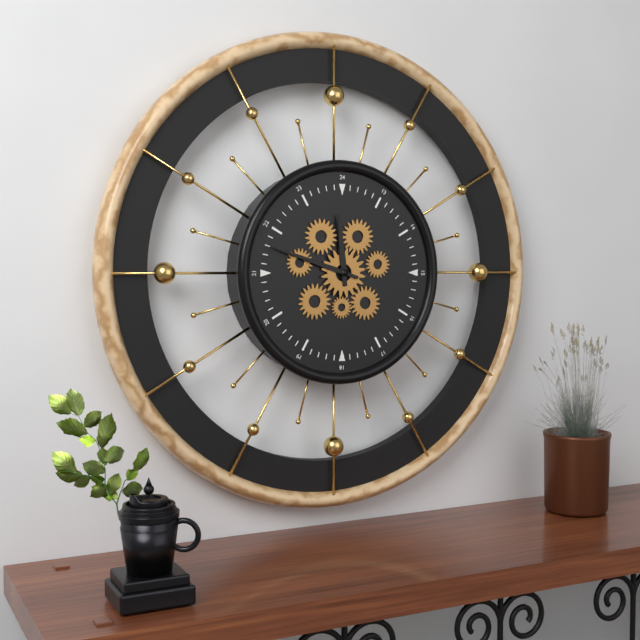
11:48
